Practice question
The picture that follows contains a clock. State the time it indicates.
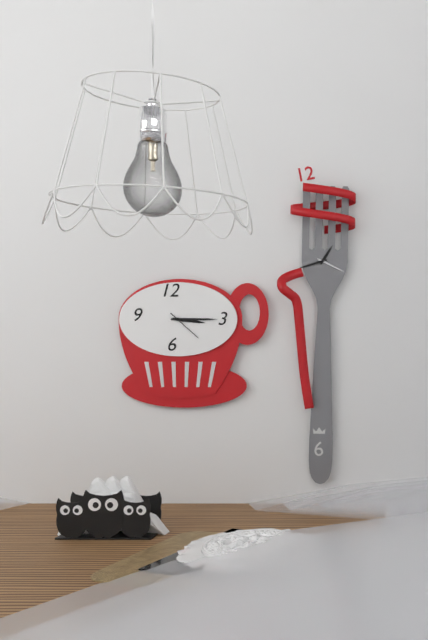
3:15
